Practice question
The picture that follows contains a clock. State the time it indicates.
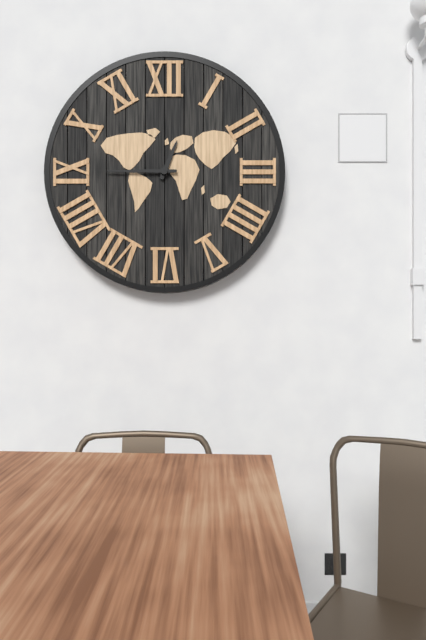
12:45
